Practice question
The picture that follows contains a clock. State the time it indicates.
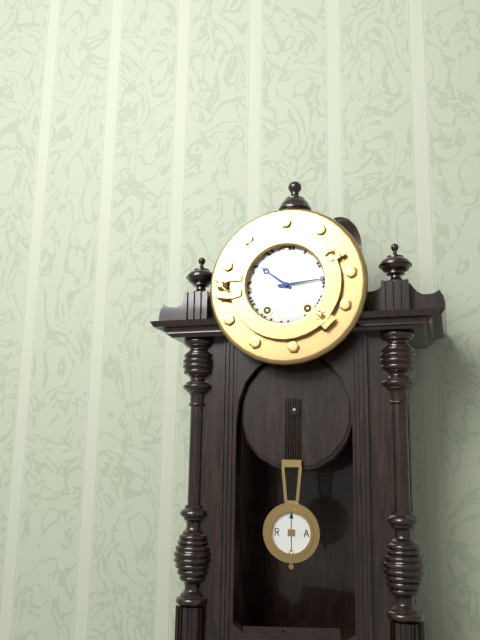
10:14
